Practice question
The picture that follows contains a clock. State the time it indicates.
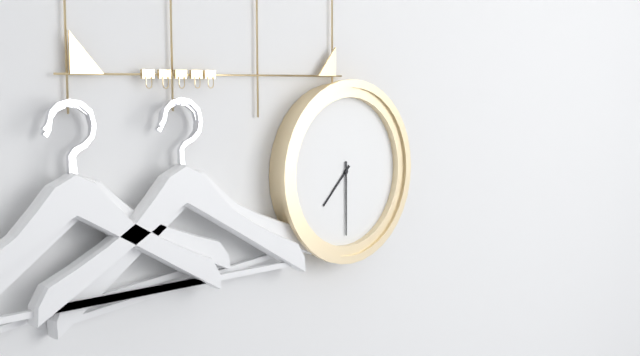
7:30
